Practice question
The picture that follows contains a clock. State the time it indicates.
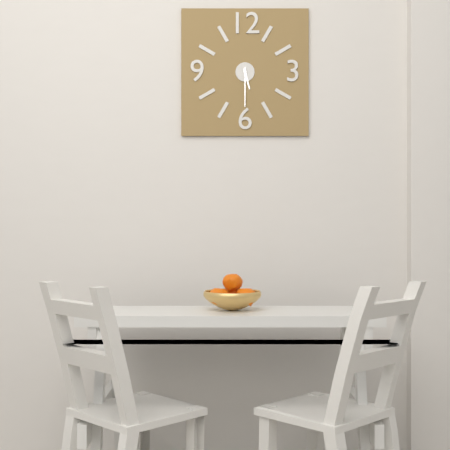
5:30
